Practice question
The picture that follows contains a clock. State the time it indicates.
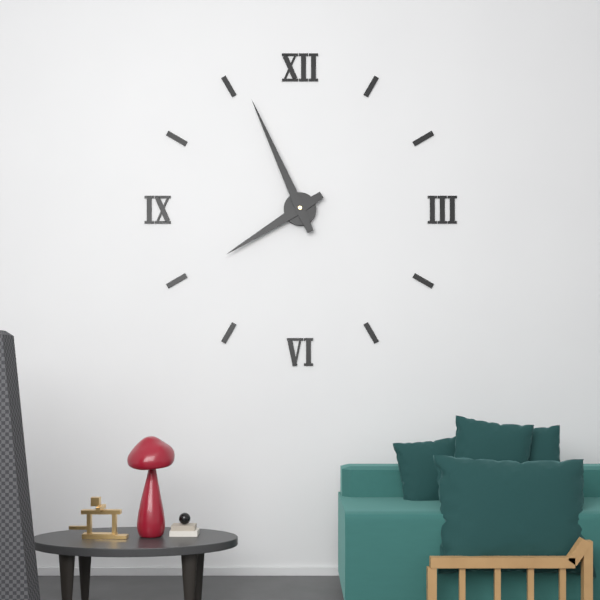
7:56
